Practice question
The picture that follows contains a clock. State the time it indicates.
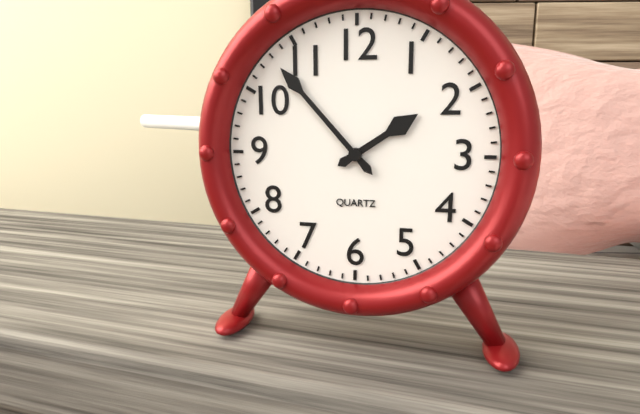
1:53
